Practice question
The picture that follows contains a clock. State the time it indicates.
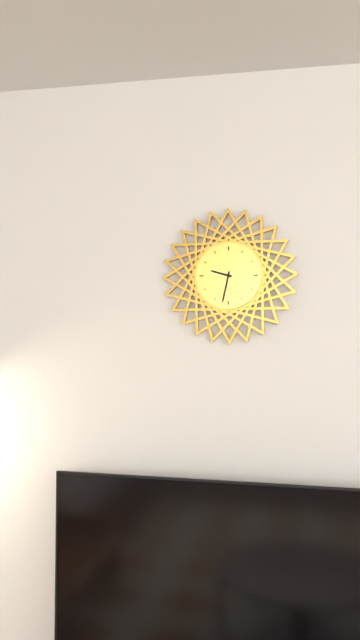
9:32
